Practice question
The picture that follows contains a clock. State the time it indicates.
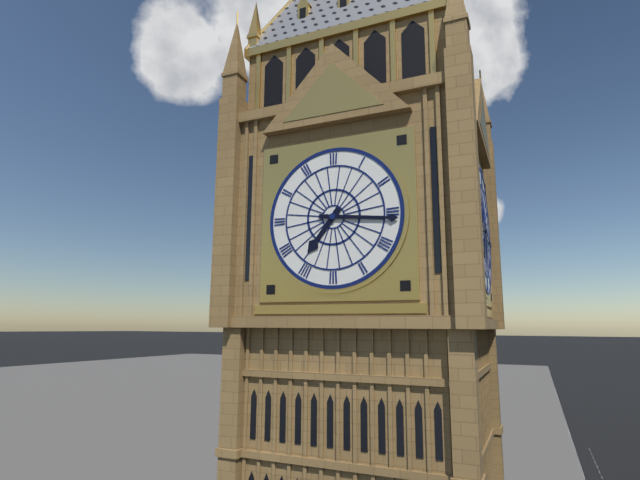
7:16
